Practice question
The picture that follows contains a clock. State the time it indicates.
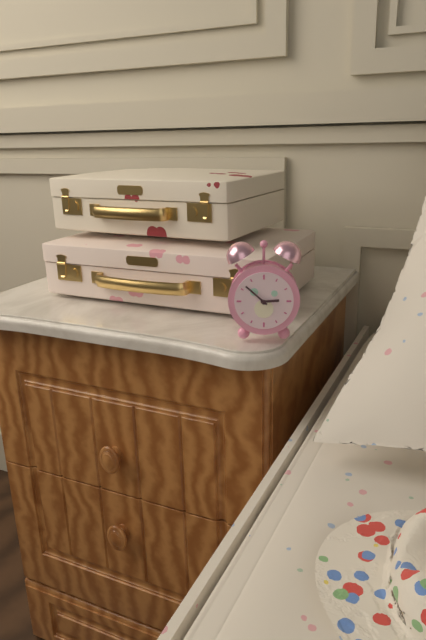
2:52
